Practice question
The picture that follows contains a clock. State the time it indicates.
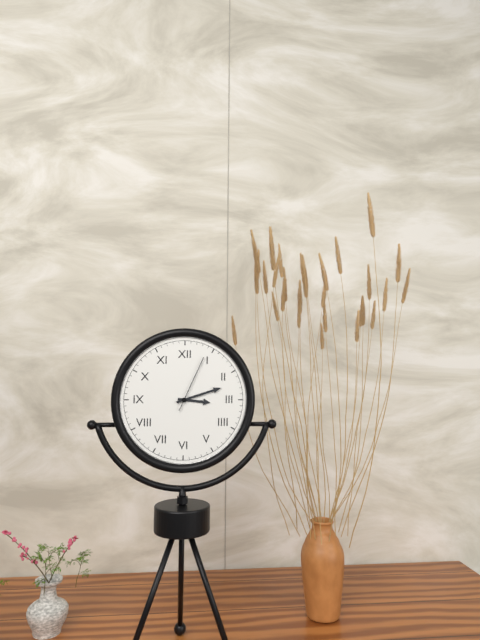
3:12:04
